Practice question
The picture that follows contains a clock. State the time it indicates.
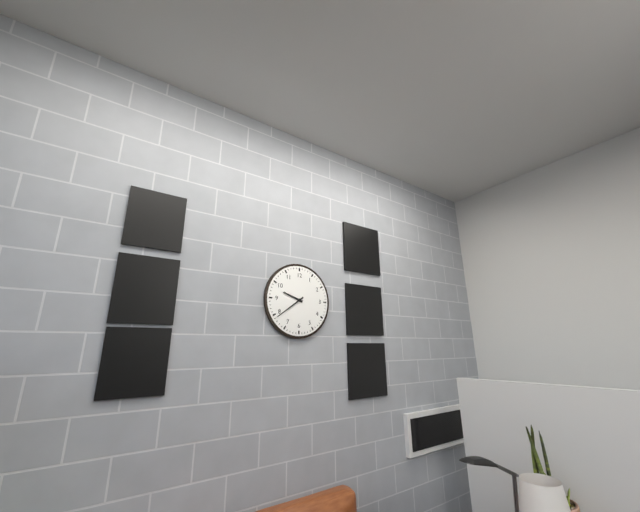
9:39
